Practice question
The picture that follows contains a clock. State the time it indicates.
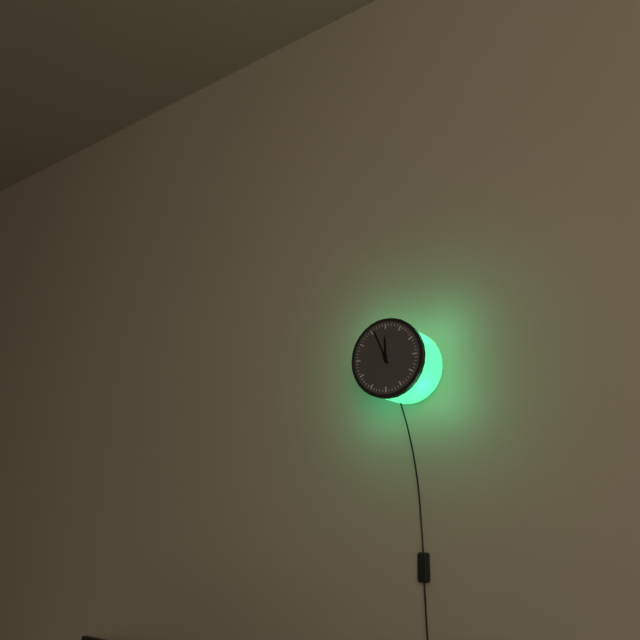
11:56
